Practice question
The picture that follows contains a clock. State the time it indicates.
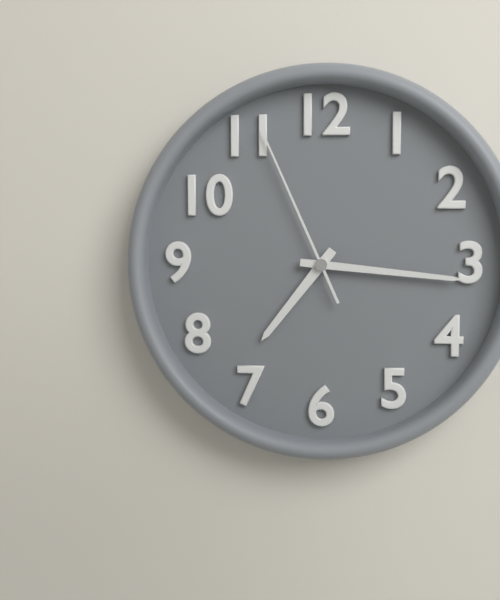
7:16:56
